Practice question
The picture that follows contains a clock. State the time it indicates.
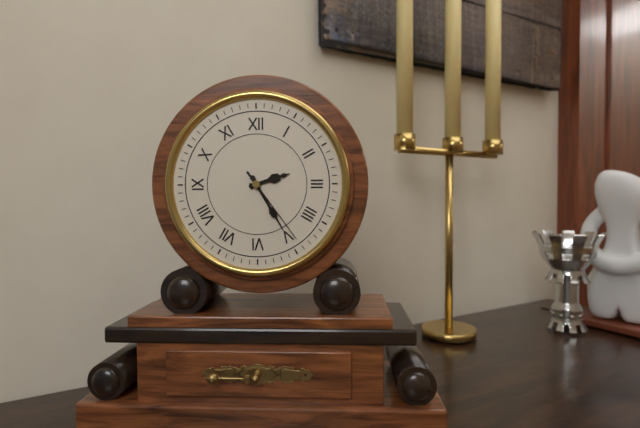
2:25:24
